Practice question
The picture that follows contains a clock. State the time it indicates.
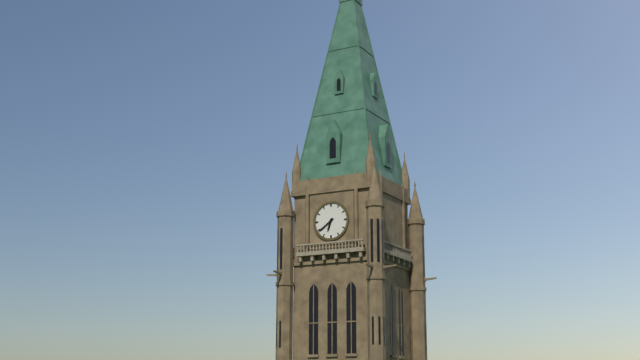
6:39
